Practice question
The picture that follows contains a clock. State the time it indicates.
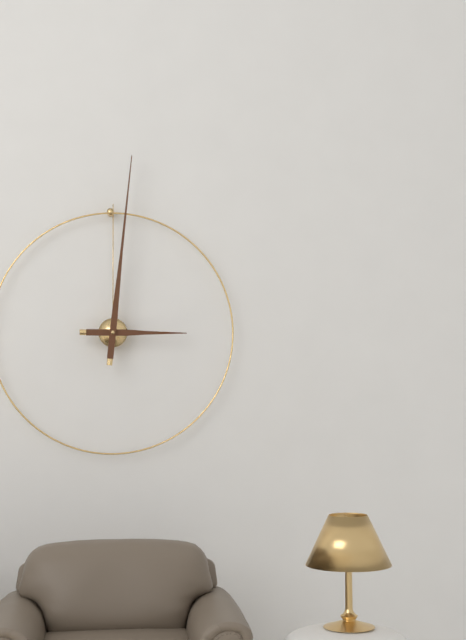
3:01
